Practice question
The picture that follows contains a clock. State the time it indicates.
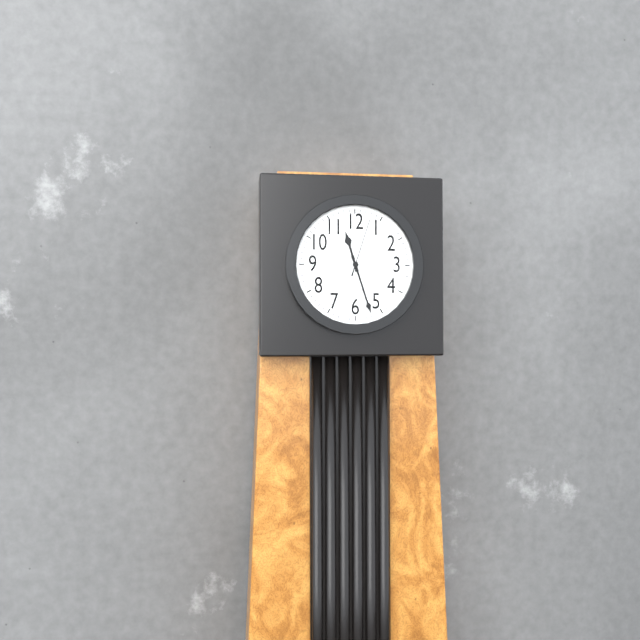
11:27:03
